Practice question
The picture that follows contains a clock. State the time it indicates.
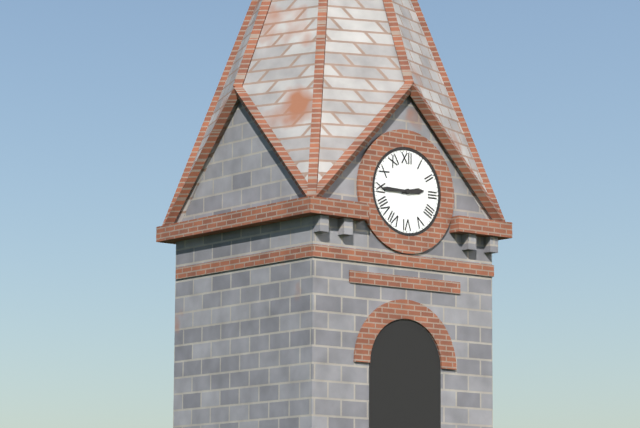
2:45
